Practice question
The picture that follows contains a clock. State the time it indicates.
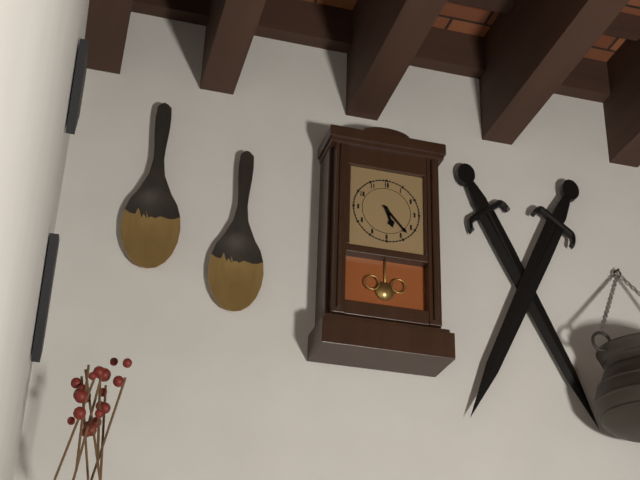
5:23
